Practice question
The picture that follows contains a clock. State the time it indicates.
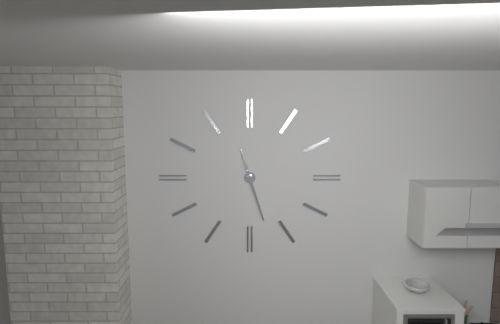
11:27
